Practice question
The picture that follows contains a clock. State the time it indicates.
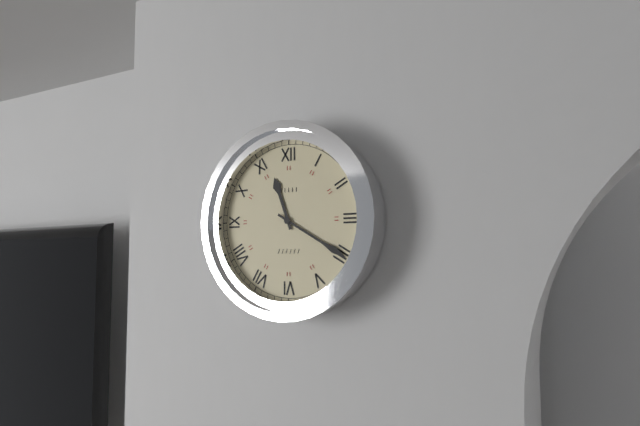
11:20
